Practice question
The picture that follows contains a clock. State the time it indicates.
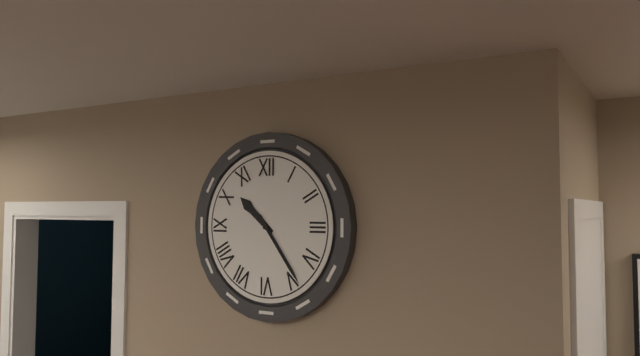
10:24
